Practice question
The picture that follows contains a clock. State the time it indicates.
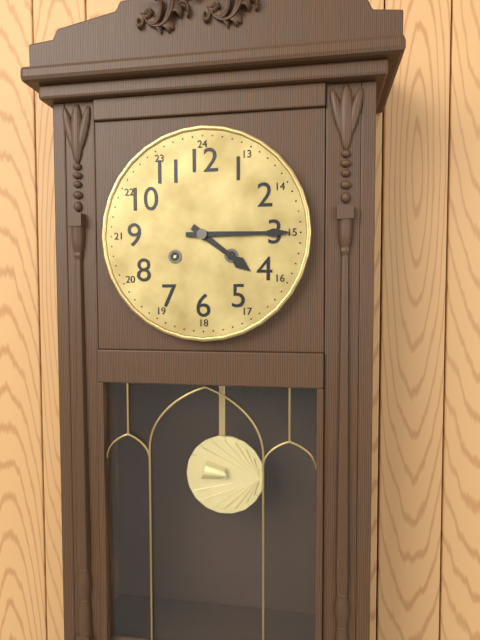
4:15
